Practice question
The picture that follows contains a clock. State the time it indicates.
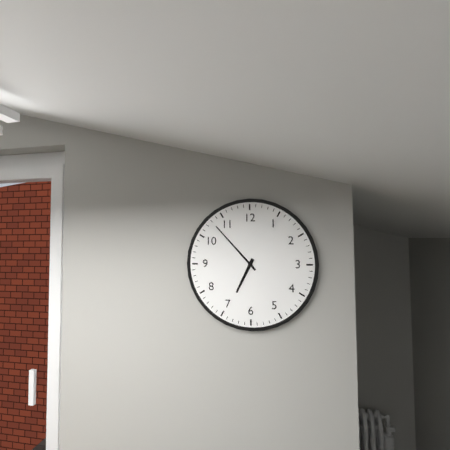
6:53
